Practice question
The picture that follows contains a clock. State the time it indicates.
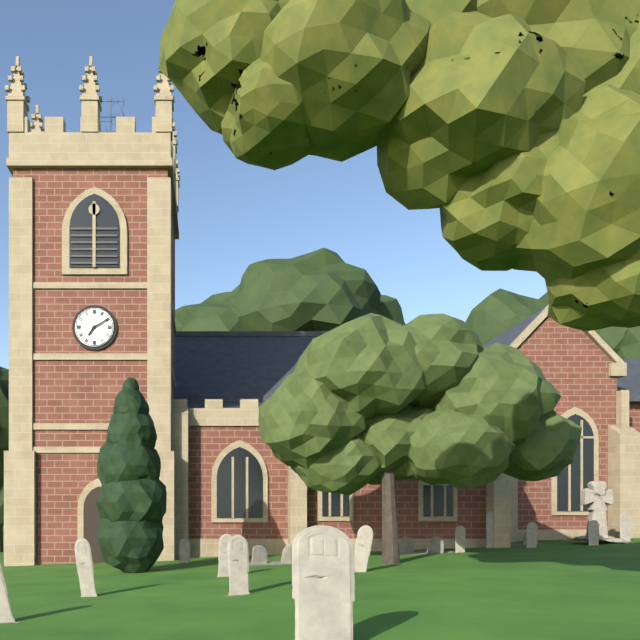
7:10
